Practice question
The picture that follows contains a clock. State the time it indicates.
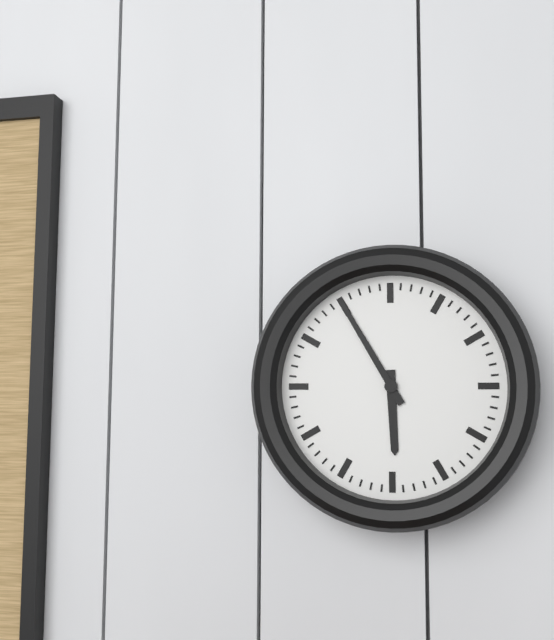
5:55
